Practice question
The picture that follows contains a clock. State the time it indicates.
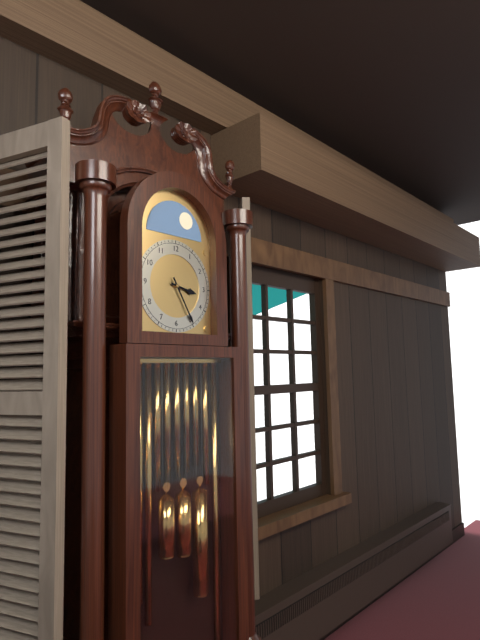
3:25
